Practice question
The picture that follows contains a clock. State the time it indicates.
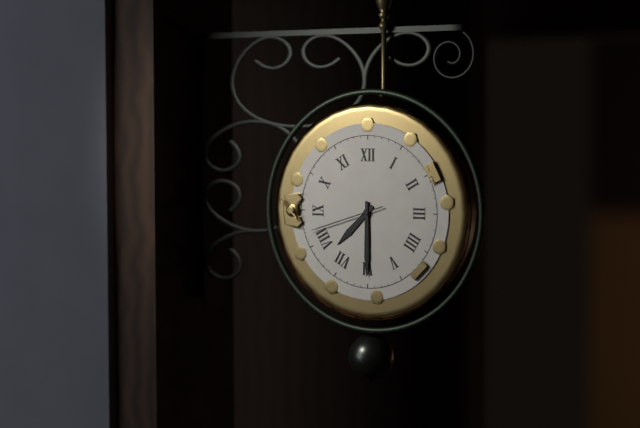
7:30:42
